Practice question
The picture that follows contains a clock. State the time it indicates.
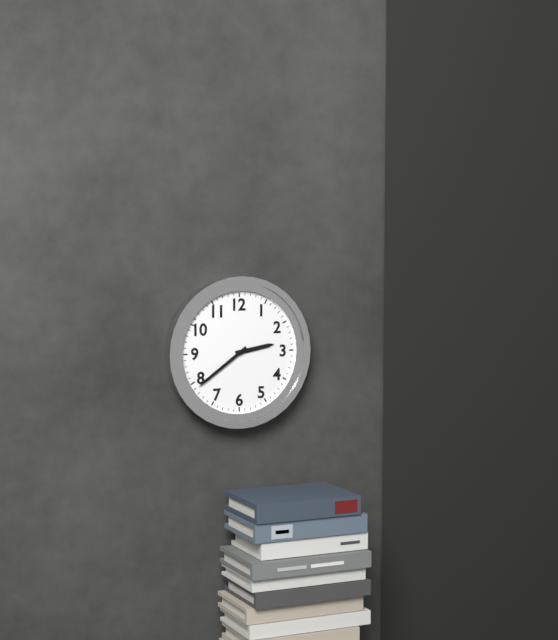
2:39
